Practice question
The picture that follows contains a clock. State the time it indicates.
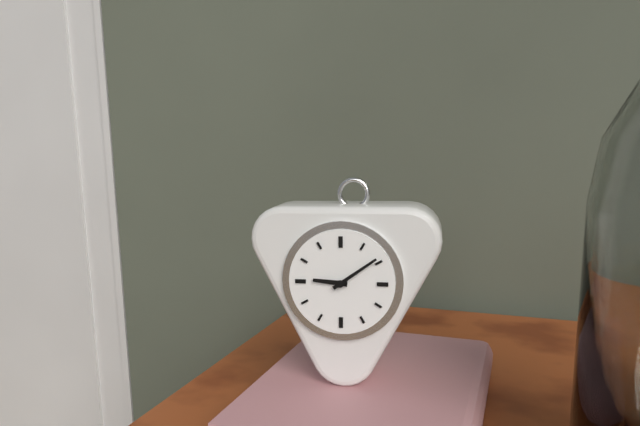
9:09
